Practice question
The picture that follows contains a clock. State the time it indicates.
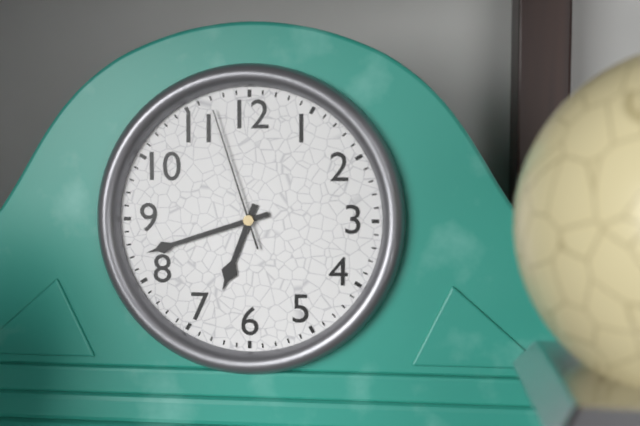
6:42:57
